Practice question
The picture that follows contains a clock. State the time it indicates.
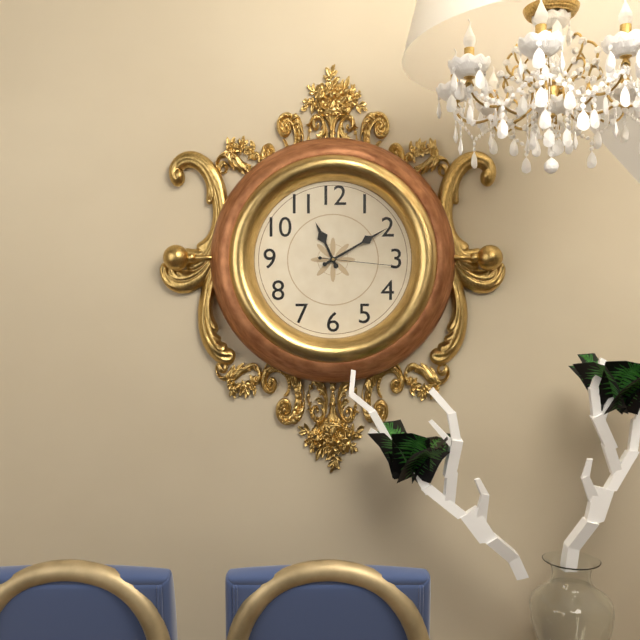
11:10:16
